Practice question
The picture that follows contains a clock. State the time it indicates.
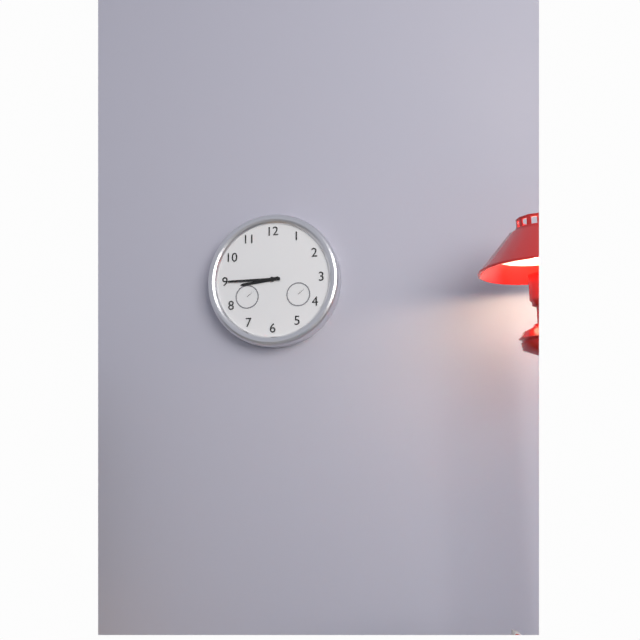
8:45
